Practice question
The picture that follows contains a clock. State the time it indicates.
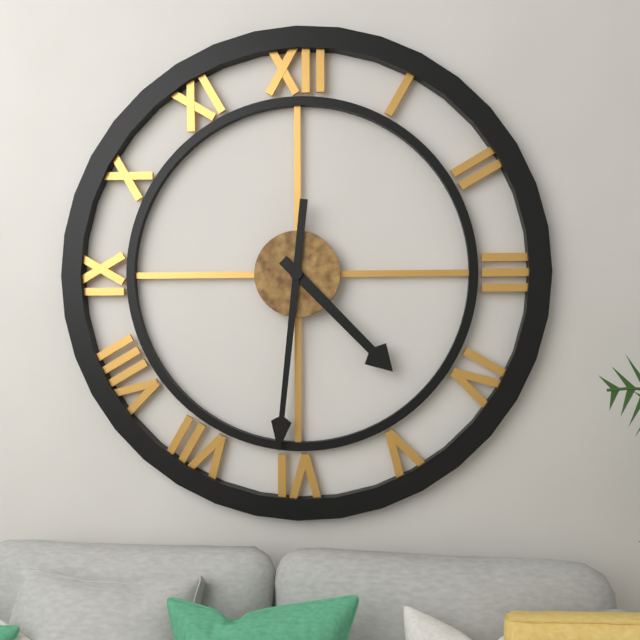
4:31
